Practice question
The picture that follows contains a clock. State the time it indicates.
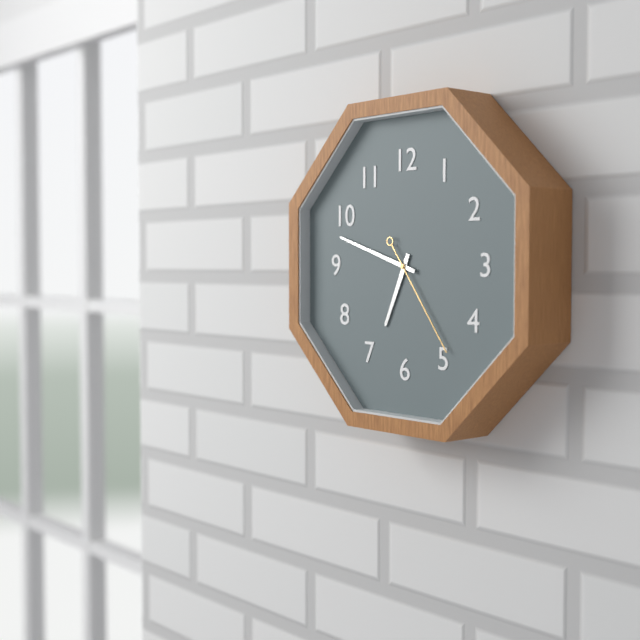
6:48:24
